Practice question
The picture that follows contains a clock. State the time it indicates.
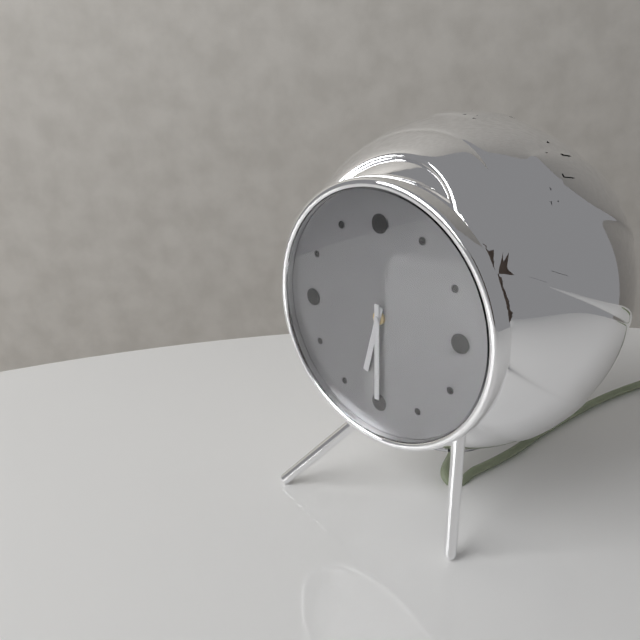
6:30
